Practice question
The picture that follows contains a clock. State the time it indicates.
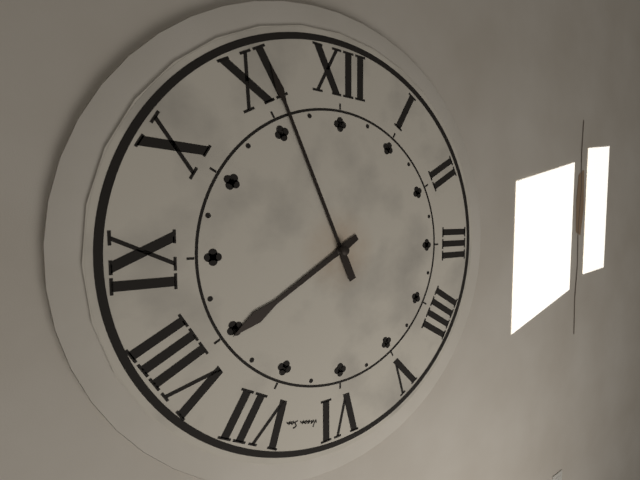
7:56
